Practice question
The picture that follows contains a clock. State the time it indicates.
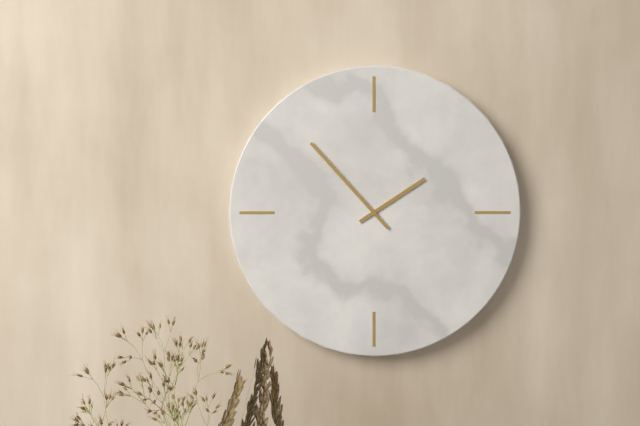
1:53
